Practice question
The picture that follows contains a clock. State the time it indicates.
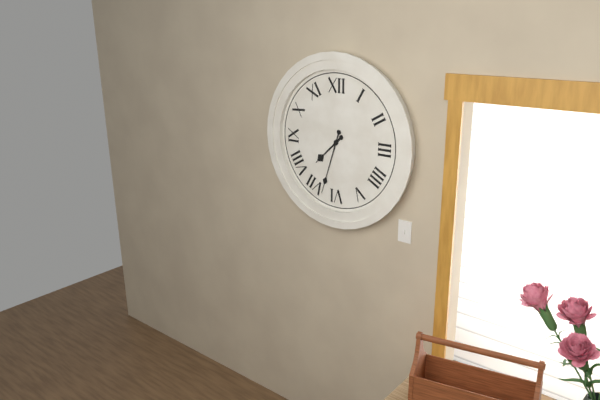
7:33
